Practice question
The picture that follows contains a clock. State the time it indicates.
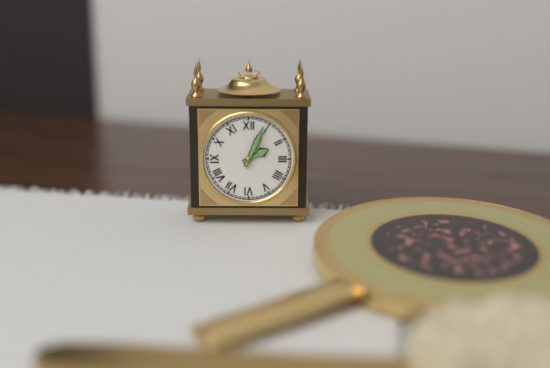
2:04
